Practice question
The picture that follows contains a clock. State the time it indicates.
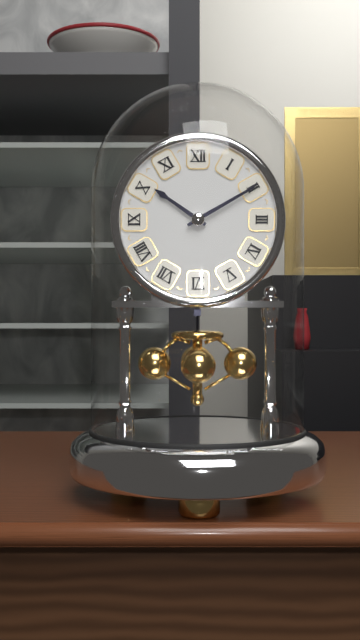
10:10
